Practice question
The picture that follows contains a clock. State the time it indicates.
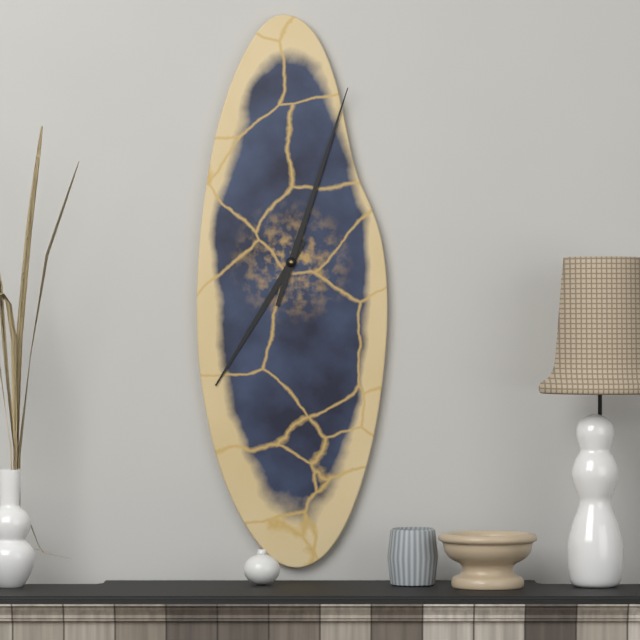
7:03
